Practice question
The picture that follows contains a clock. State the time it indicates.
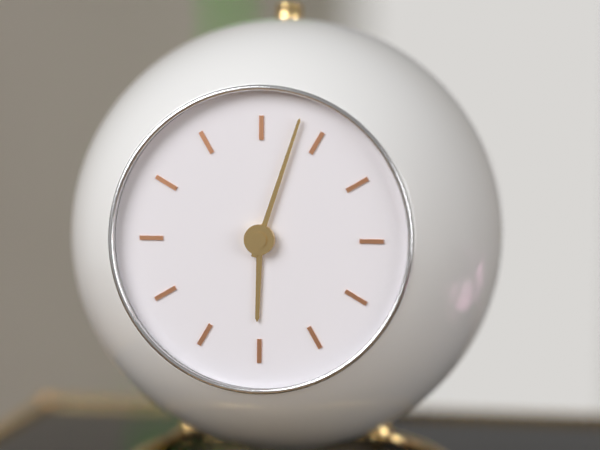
6:03
